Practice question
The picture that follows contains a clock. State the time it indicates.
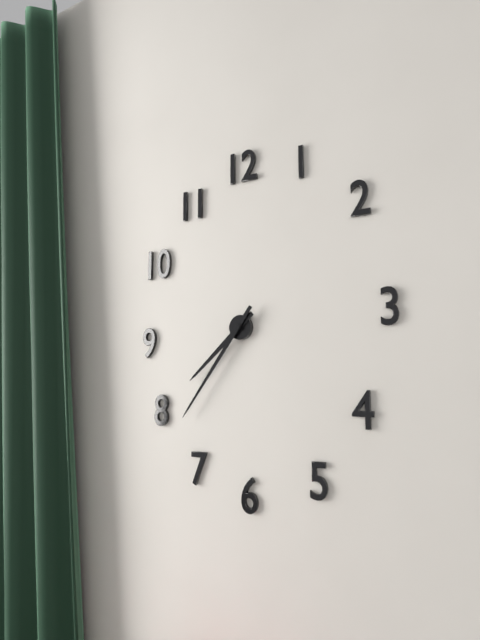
7:36
